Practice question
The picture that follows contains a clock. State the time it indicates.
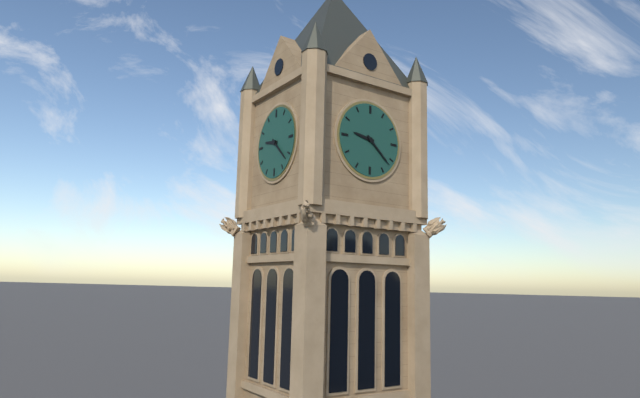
9:22
